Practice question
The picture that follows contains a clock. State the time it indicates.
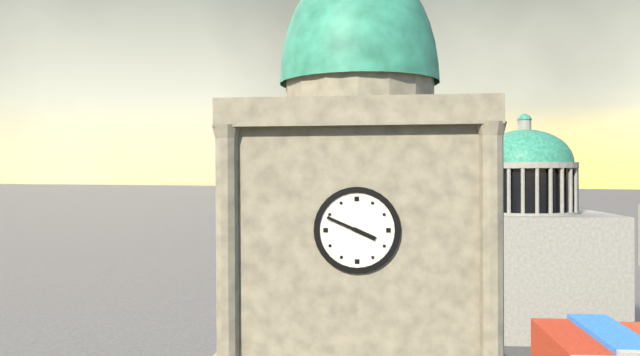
3:49
